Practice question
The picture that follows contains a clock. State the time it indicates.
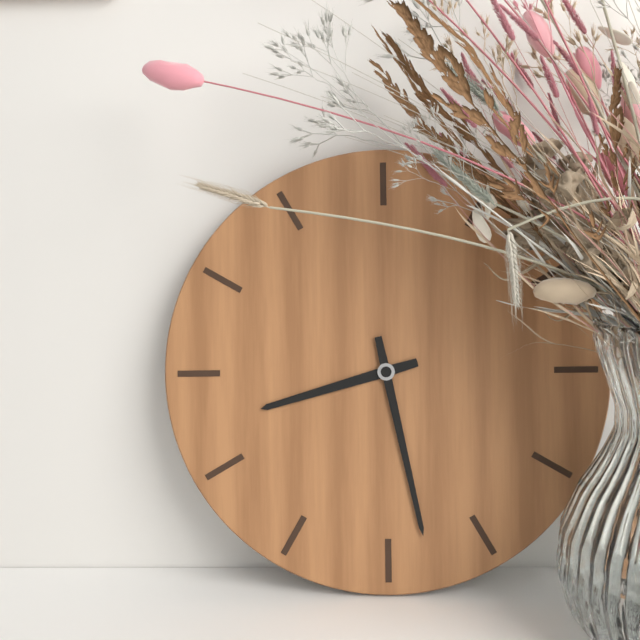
8:28
